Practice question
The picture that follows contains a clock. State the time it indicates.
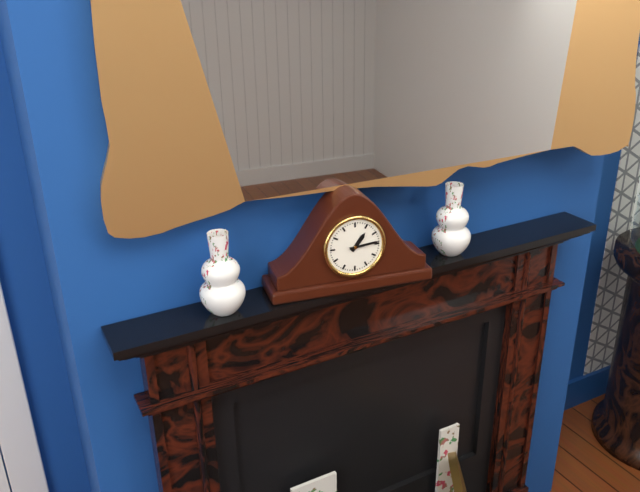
1:14
